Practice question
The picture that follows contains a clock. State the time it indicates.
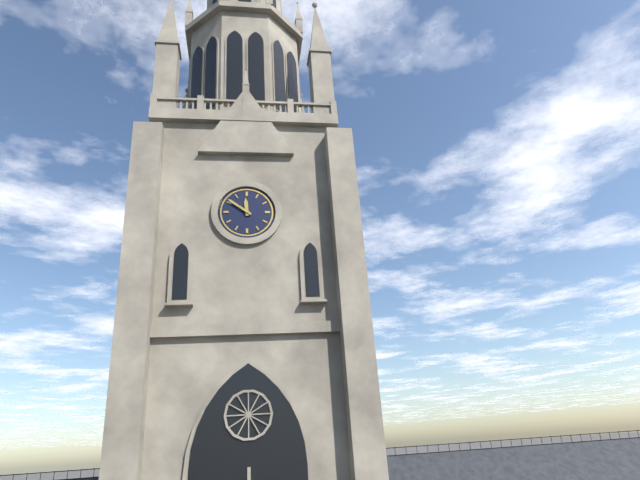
11:51
